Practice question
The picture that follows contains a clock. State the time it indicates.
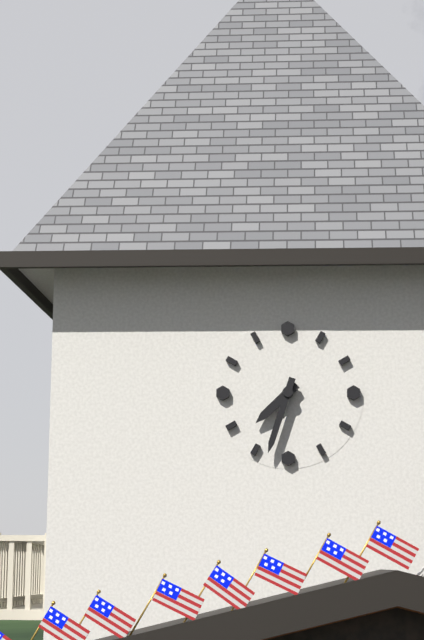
7:33
